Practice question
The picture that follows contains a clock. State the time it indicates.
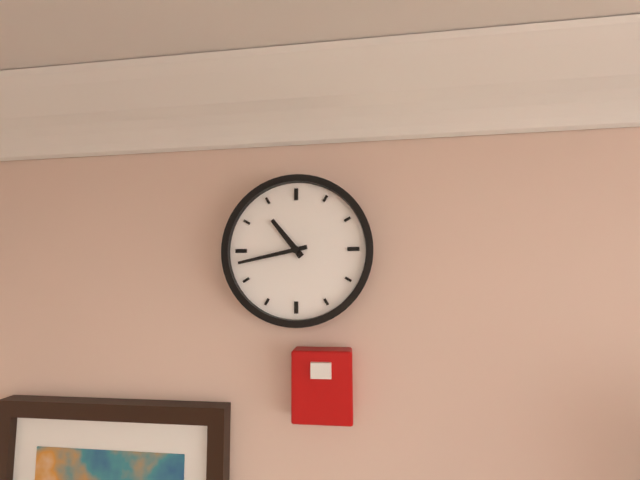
10:43
